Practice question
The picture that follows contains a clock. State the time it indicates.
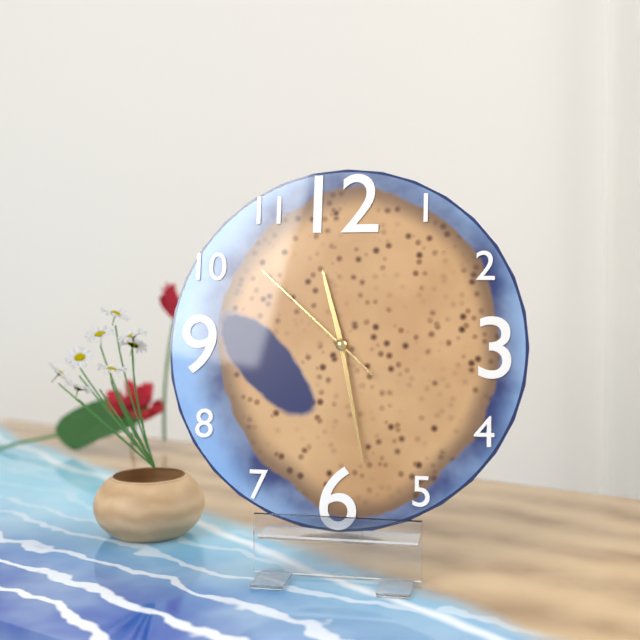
11:28:52
